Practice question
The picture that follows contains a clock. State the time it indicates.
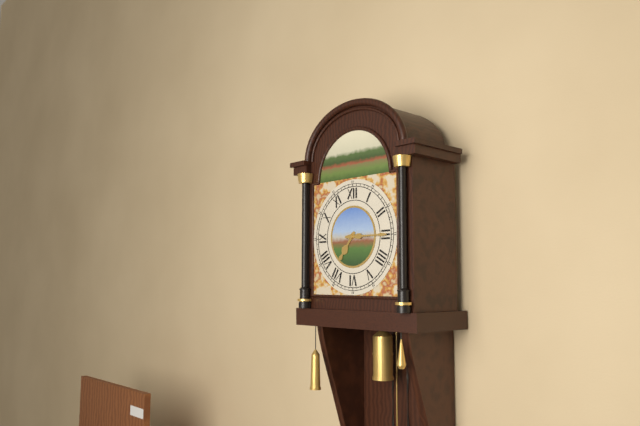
7:15
